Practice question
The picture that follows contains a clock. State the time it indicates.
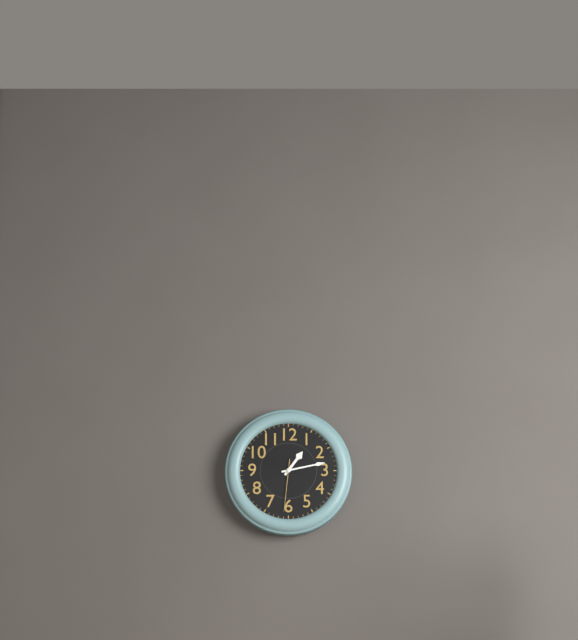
1:13:31
